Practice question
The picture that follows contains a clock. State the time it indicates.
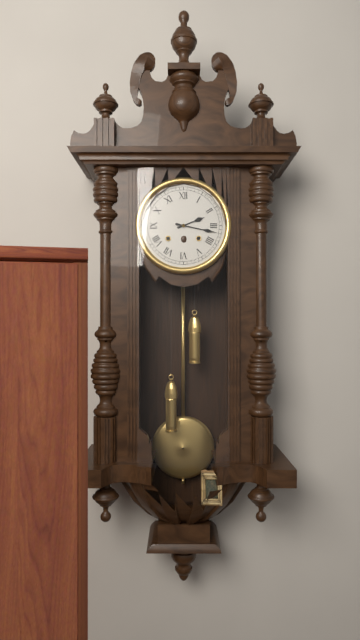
2:17
